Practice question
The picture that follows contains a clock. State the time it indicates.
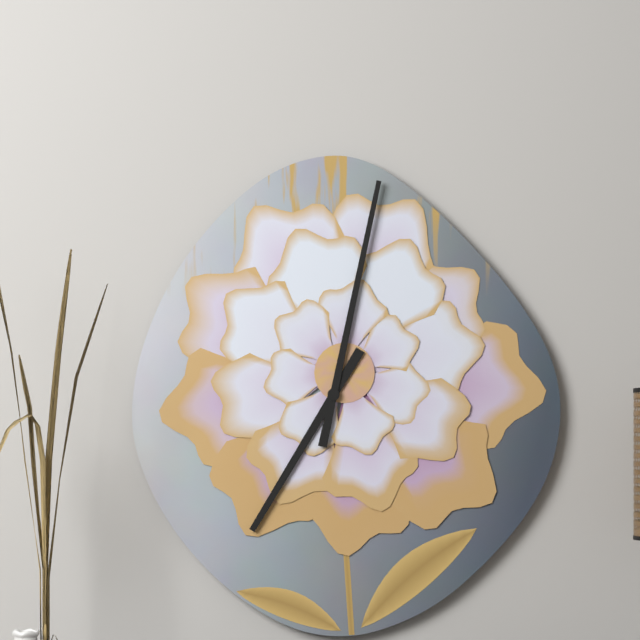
7:02
